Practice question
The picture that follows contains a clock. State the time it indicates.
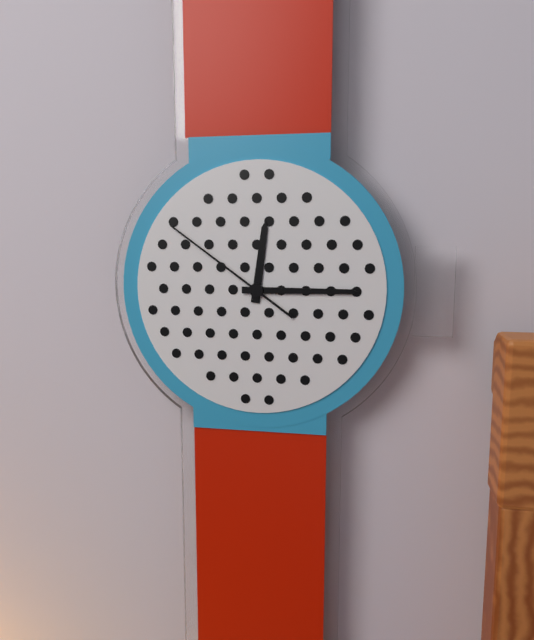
12:15:51
